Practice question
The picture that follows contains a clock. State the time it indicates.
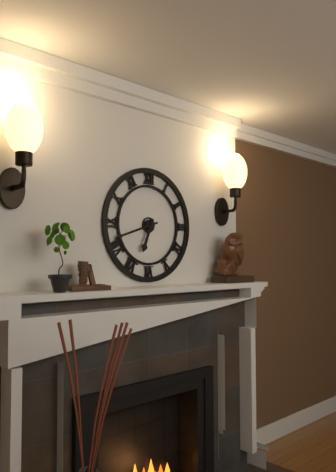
6:42
